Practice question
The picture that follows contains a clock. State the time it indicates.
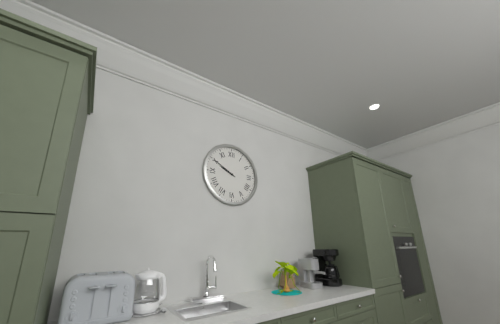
9:50
